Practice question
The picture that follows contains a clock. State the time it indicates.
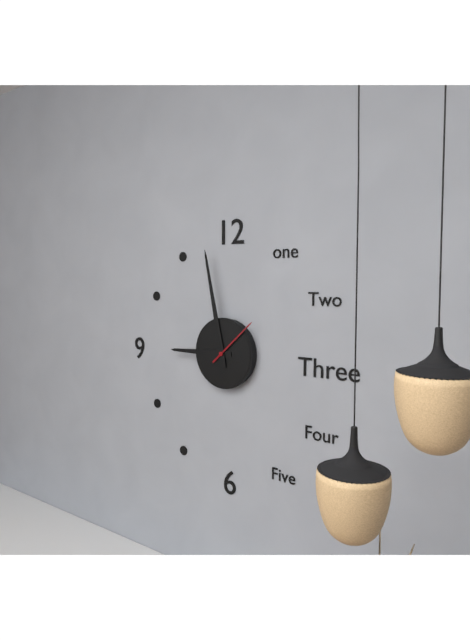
8:58:08
